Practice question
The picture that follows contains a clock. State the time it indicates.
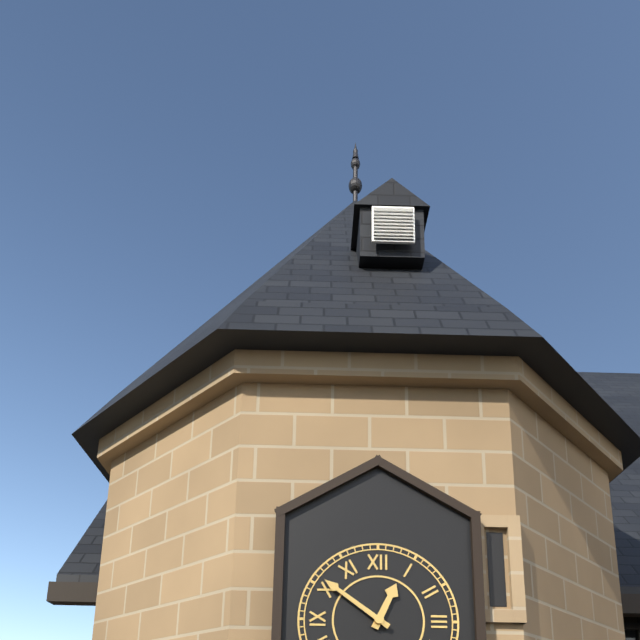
12:51
